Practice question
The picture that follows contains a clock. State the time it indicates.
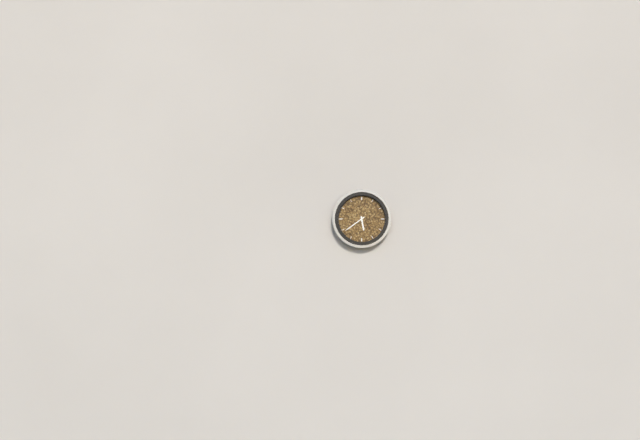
5:39
